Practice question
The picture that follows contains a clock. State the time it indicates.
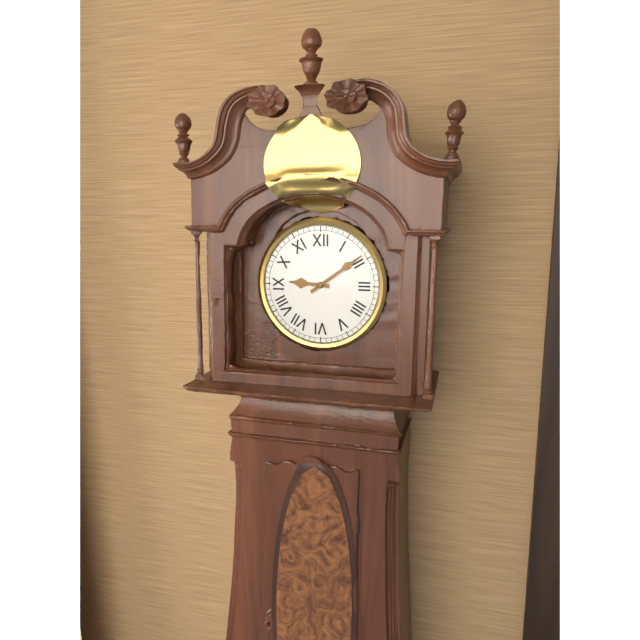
9:09
